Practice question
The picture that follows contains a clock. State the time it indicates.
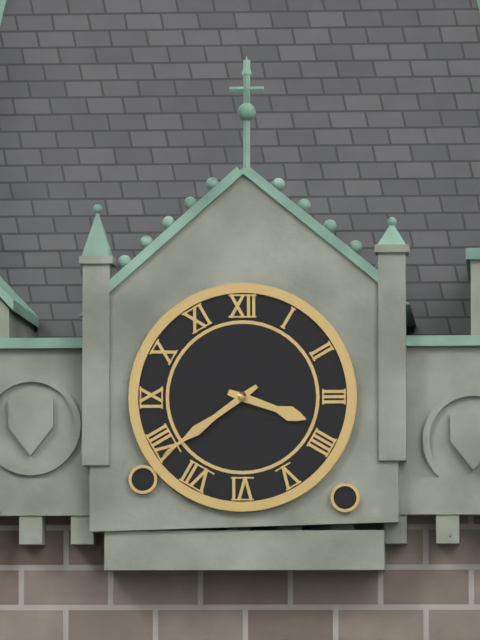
3:39
